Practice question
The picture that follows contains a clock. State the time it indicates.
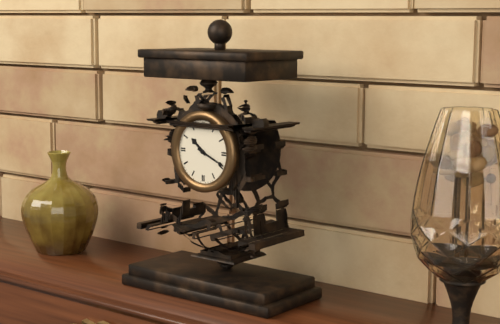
10:19
